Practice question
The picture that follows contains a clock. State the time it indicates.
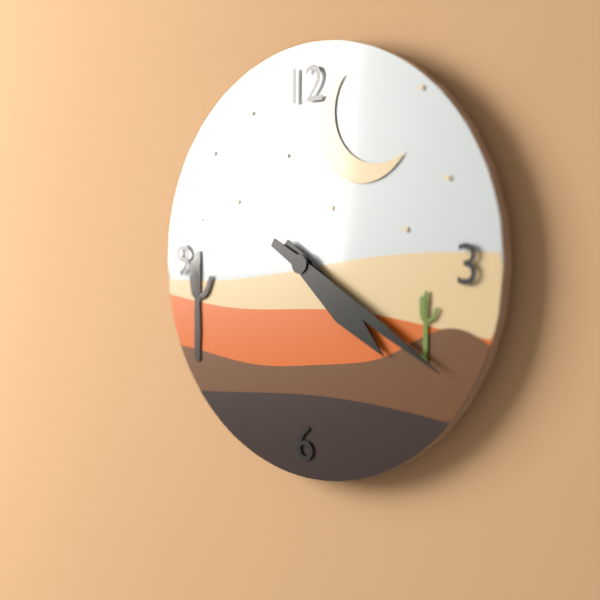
4:20
